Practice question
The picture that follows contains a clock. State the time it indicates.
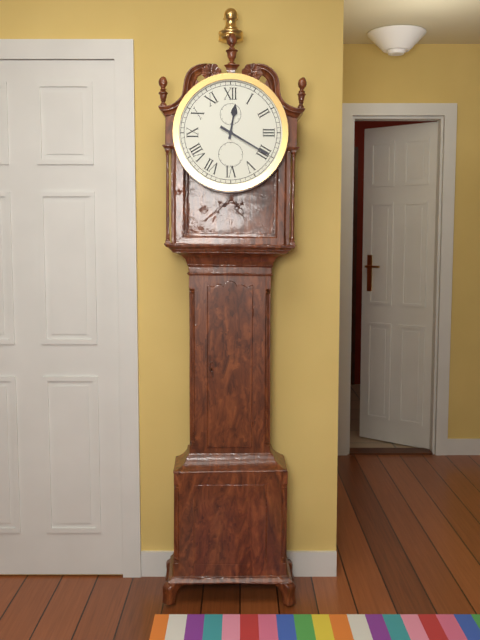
12:20
